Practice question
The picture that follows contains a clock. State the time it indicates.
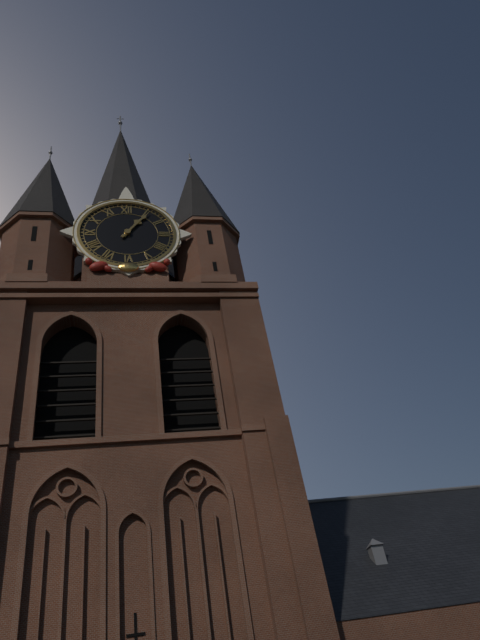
1:06
